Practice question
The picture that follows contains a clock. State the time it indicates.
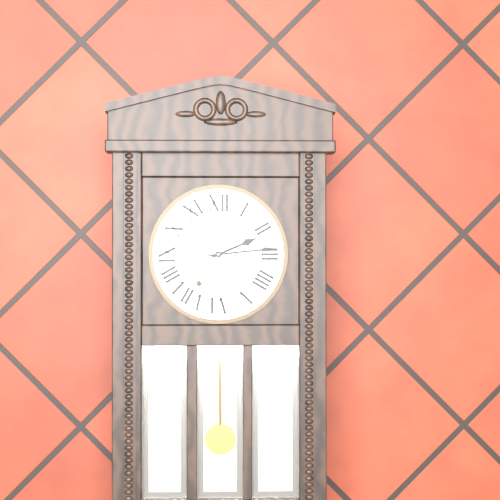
2:14
